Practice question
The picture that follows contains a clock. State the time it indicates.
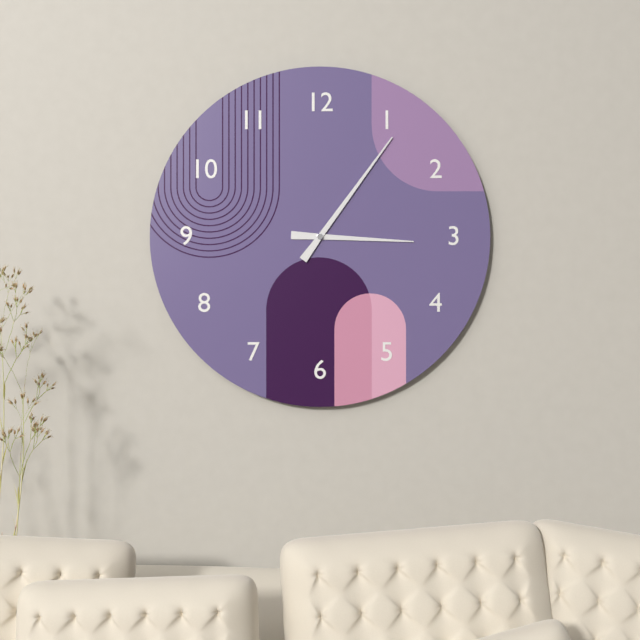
3:06
